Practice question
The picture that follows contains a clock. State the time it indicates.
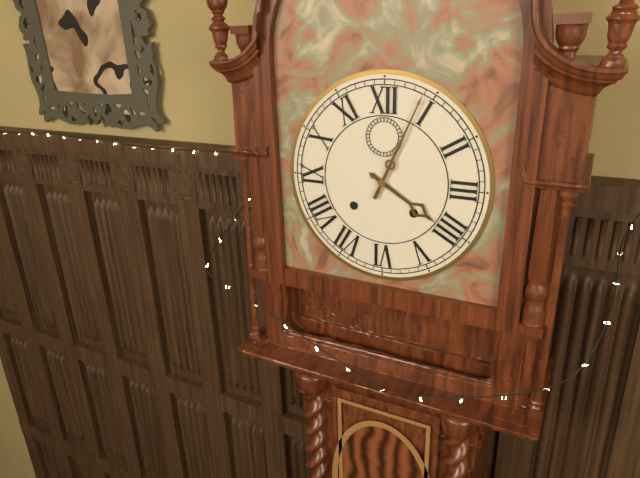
4:04
